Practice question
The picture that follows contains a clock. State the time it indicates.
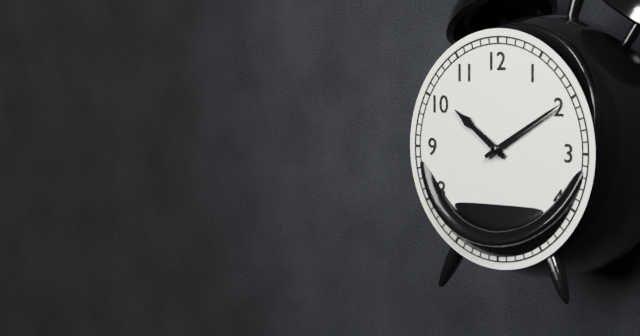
10:10
